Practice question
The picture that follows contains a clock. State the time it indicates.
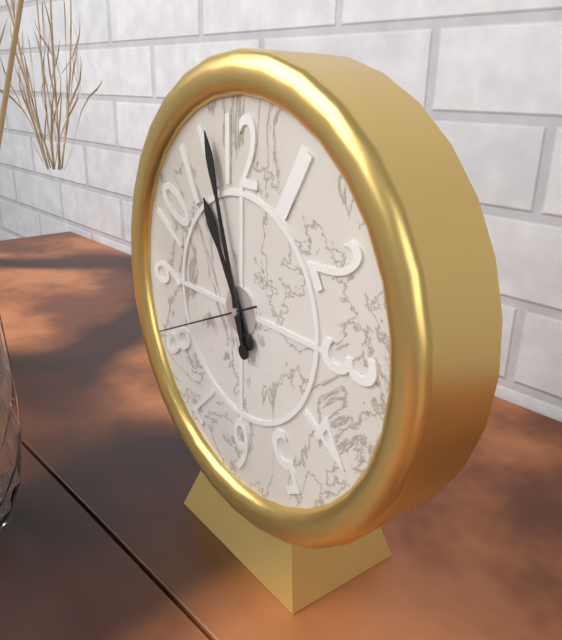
10:57:41
